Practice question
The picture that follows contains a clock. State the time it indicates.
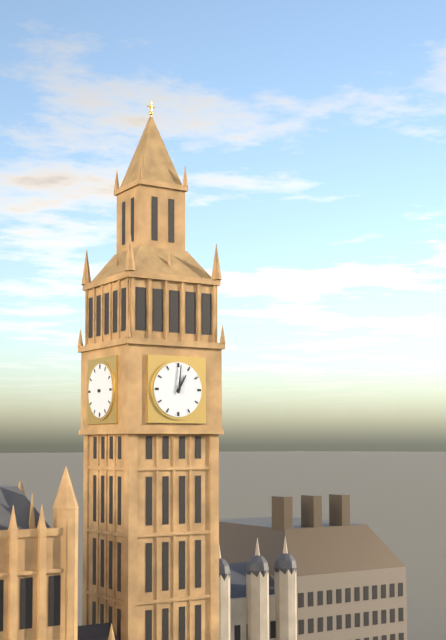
1:01
